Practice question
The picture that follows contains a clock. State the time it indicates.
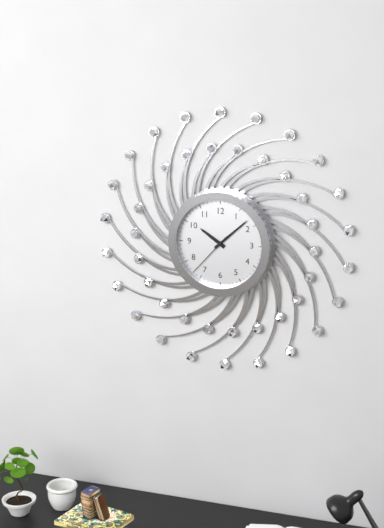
10:08:37
